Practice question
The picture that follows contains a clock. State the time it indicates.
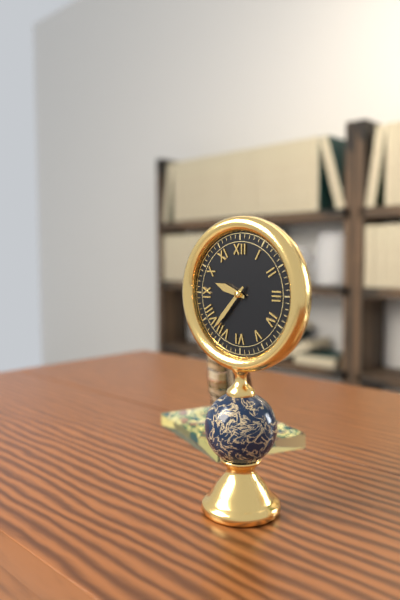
9:37
